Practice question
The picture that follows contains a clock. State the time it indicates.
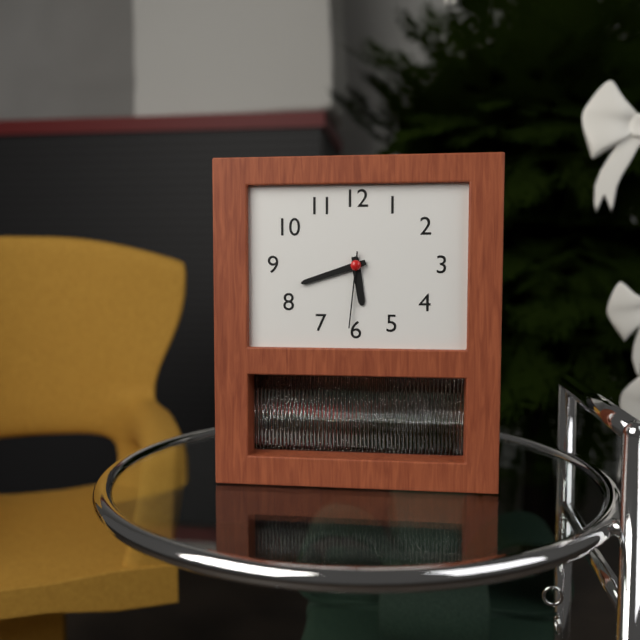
5:42:31
